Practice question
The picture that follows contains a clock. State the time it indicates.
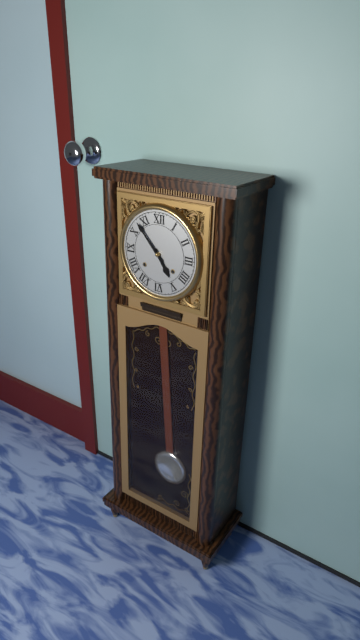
4:53
